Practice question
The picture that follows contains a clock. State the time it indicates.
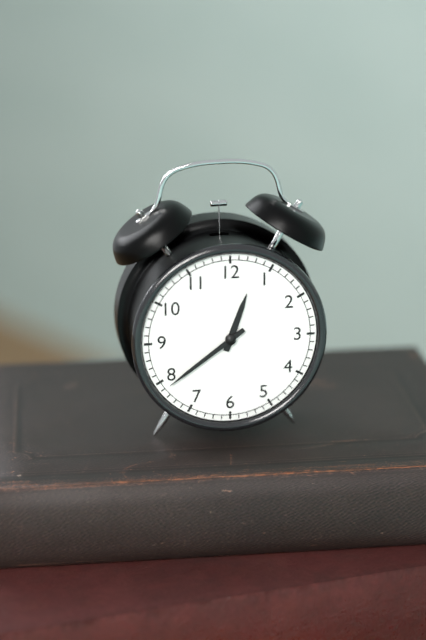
12:39
